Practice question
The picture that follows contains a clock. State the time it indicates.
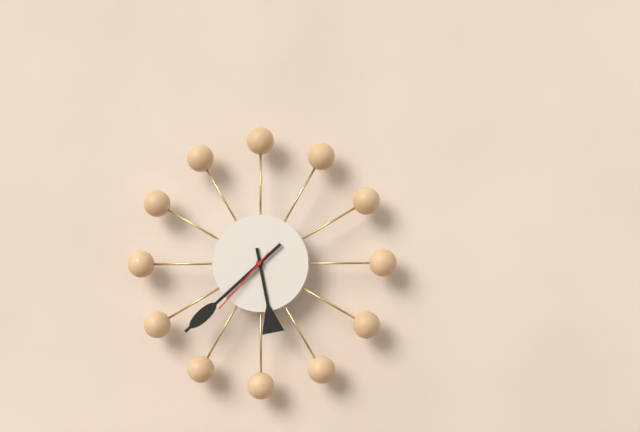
5:38:37
